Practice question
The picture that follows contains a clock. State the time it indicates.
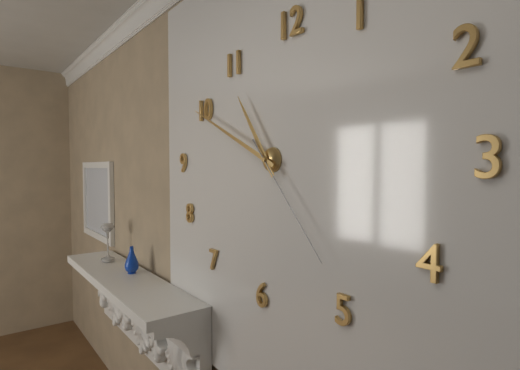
10:49:23
